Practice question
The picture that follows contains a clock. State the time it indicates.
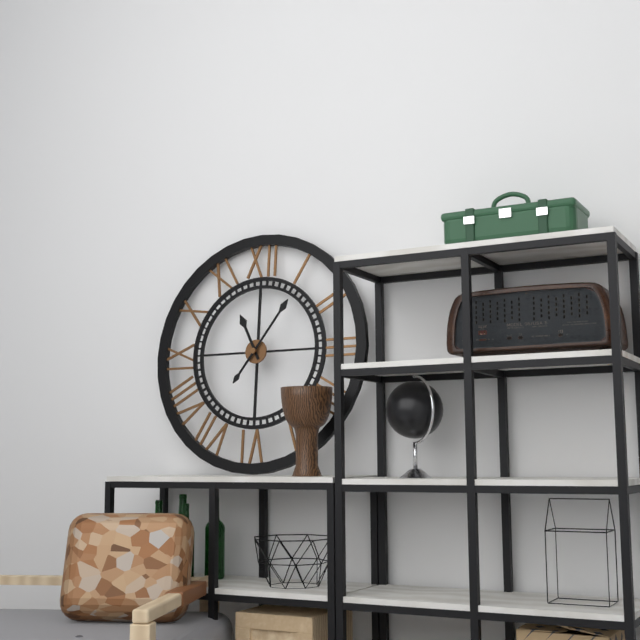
11:06
